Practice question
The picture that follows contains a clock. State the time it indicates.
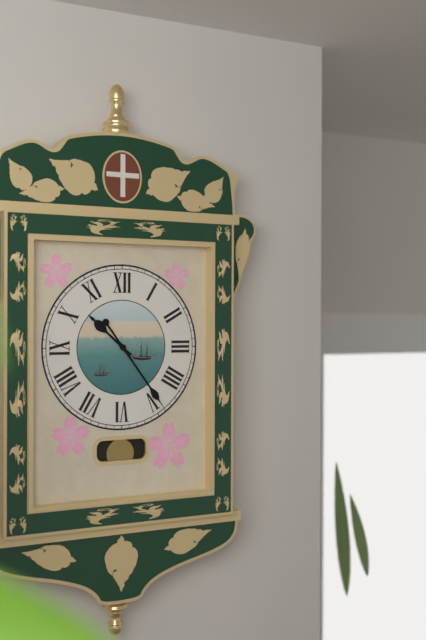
10:24
